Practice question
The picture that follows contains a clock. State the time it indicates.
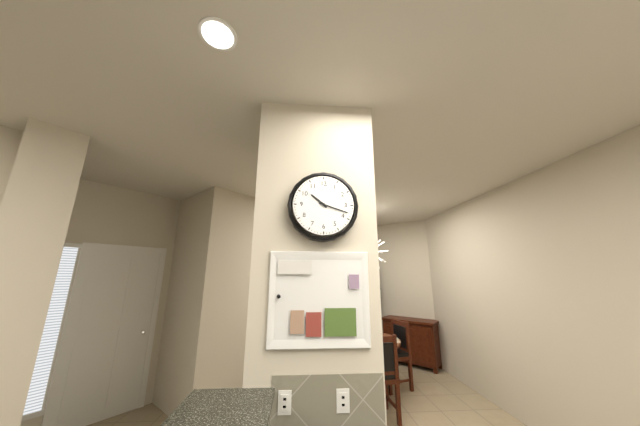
10:18
